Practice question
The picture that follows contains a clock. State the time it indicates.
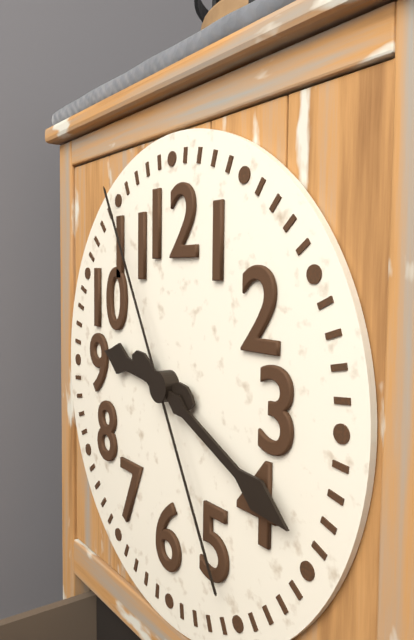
9:19:55
